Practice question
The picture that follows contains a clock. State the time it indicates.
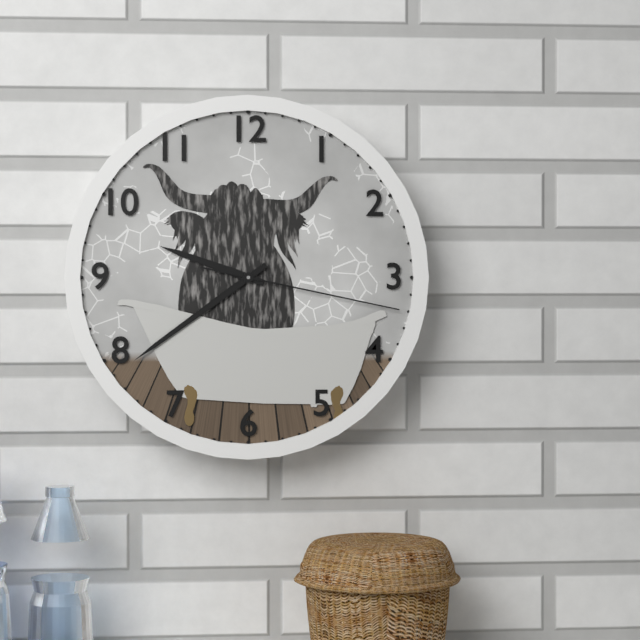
9:39:17
